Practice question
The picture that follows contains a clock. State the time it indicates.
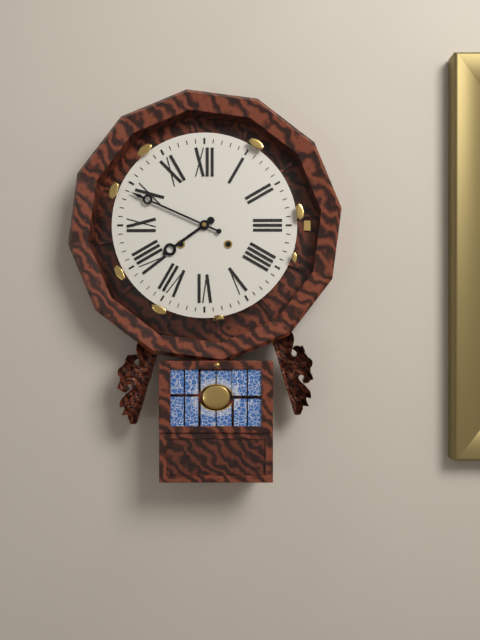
7:49
